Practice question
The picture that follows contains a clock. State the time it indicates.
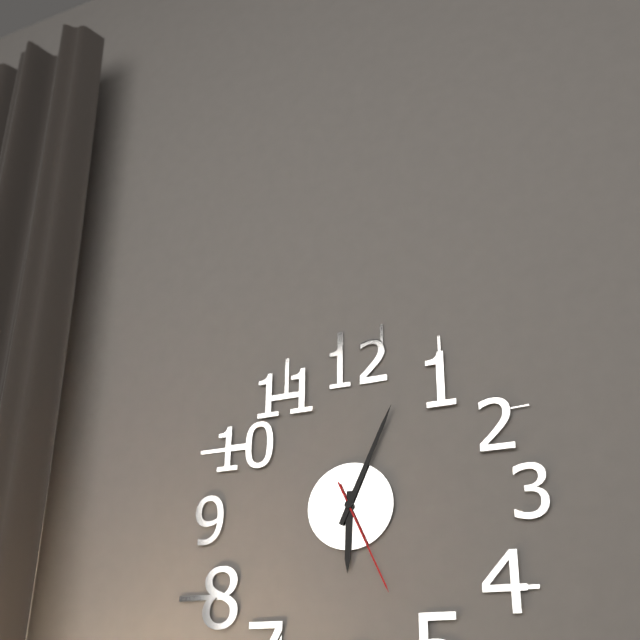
6:04:26
